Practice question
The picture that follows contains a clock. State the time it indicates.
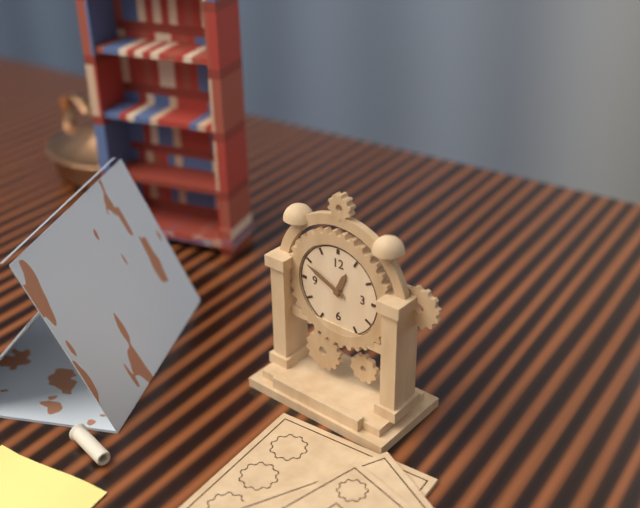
12:49
